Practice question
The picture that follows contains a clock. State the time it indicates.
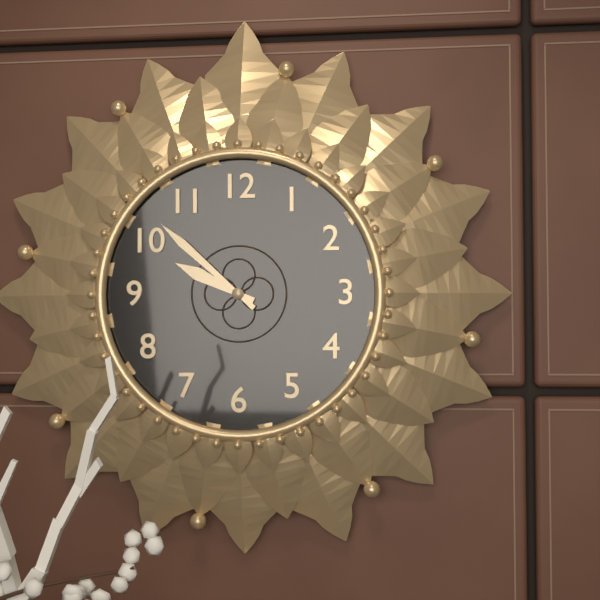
9:52
